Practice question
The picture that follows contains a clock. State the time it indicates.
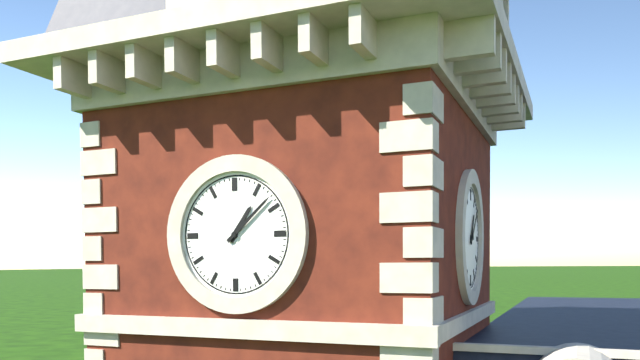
1:08
